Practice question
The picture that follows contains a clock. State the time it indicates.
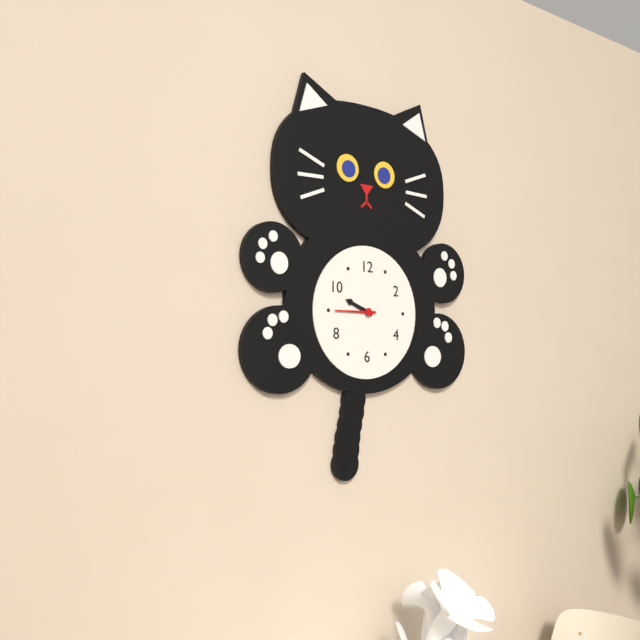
9:45
